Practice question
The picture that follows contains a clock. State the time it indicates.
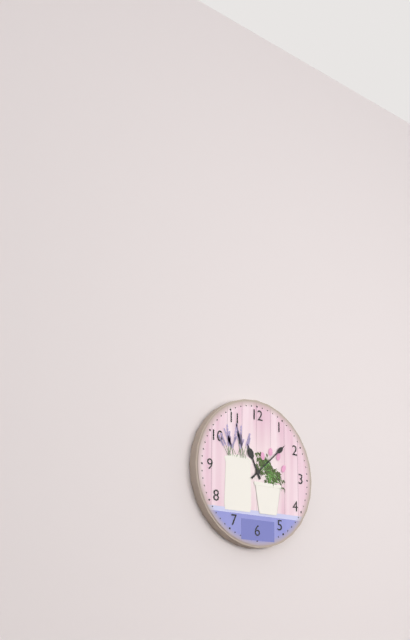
11:08
